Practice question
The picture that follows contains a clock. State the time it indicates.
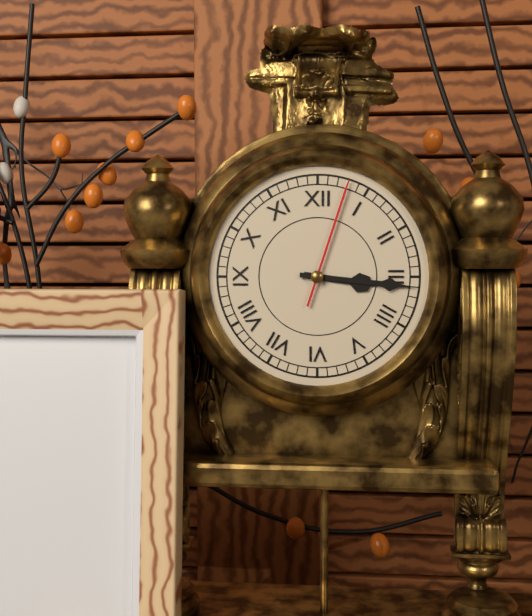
3:16:03
